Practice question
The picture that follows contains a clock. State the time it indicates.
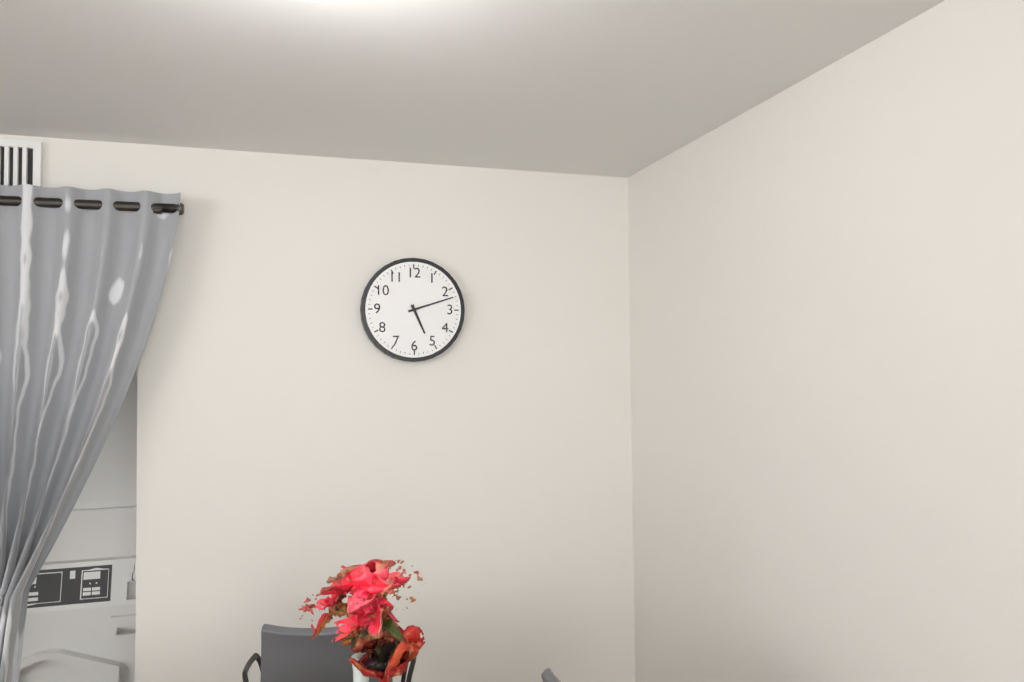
5:12
